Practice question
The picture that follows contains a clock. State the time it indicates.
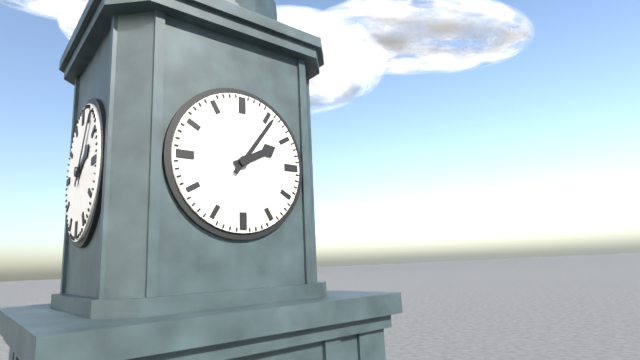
2:06
